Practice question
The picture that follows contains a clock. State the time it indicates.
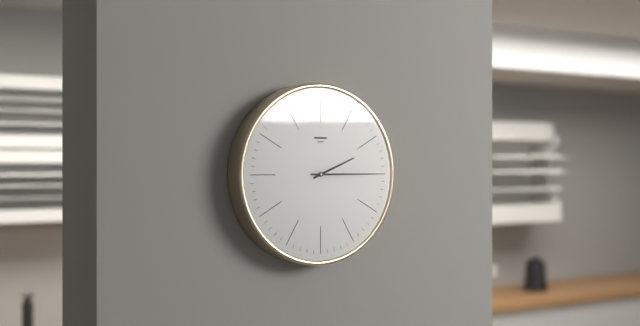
2:15
